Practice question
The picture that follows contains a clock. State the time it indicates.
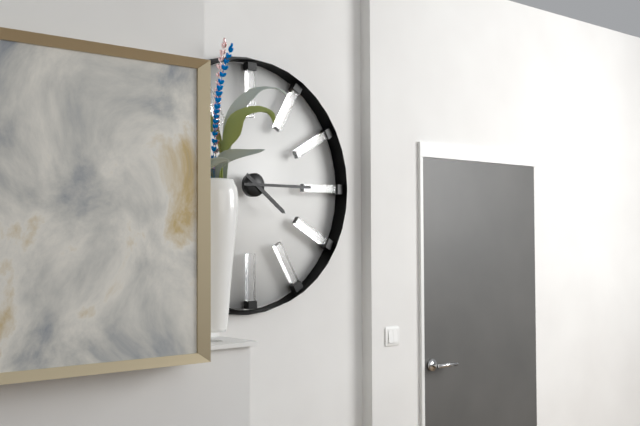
4:15
